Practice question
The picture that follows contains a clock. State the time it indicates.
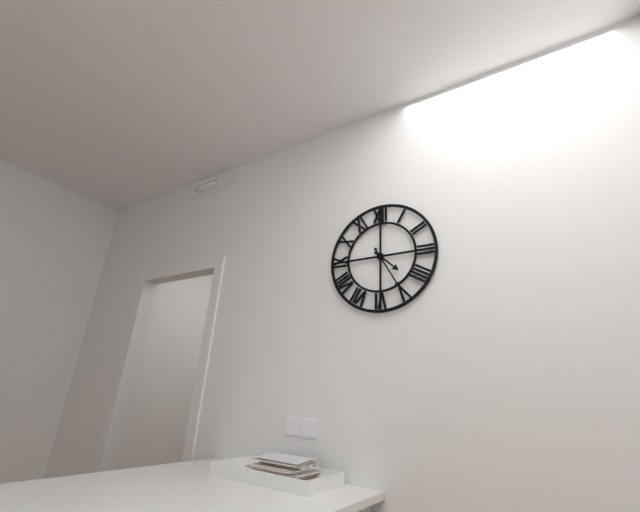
4:25
